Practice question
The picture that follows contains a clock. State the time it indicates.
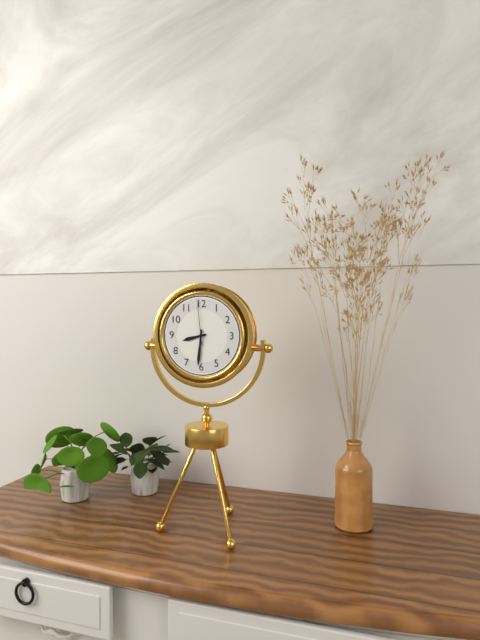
8:31
